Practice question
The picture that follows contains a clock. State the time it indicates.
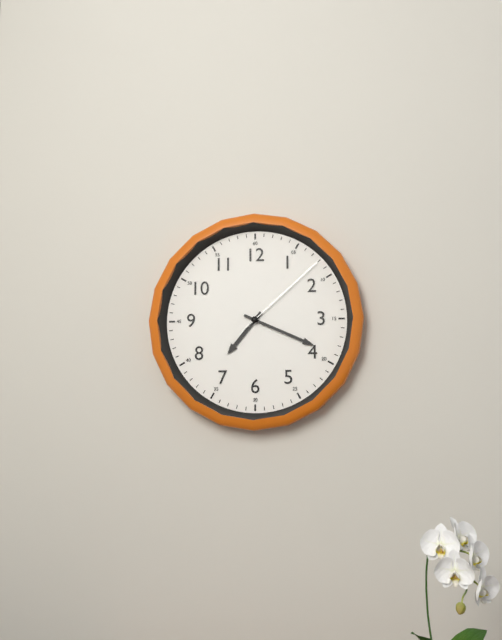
7:19:08
